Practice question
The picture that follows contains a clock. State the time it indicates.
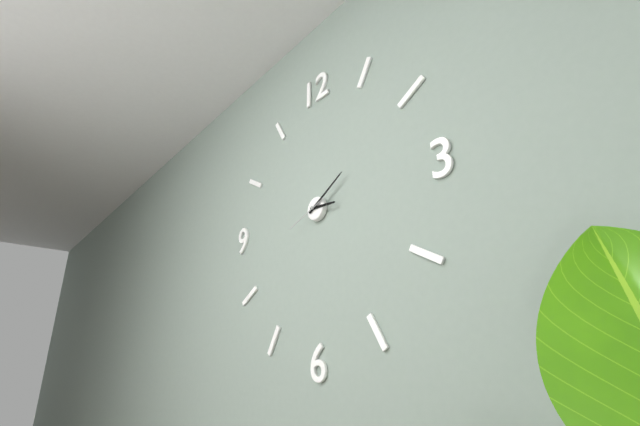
3:10
